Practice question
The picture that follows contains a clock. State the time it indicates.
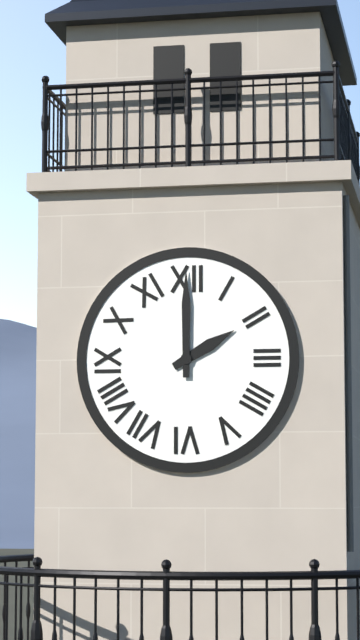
2:00
